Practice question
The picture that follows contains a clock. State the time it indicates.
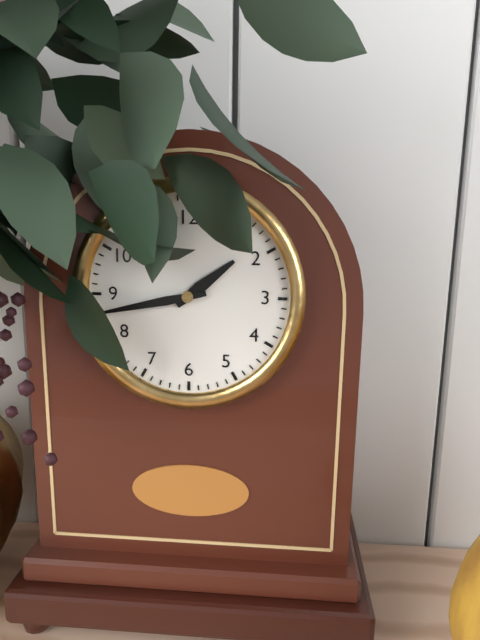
1:43
